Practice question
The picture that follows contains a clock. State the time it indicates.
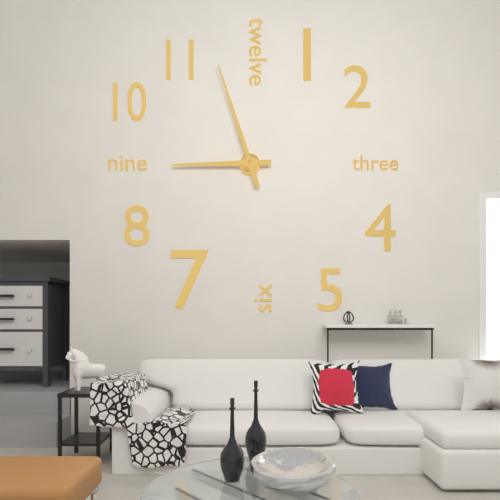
8:57
